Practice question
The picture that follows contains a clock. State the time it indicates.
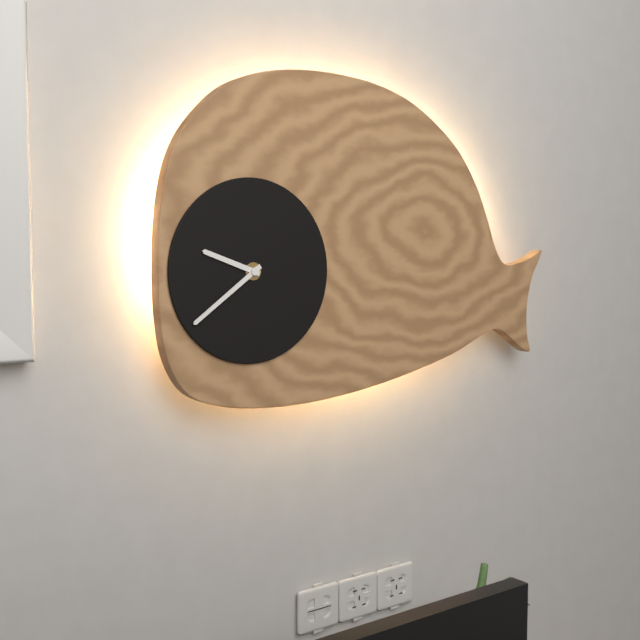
9:39
